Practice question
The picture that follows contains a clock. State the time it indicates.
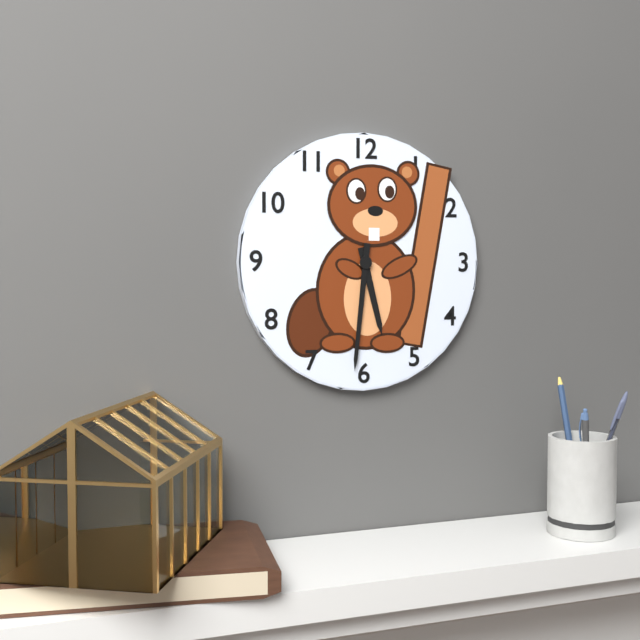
5:31
